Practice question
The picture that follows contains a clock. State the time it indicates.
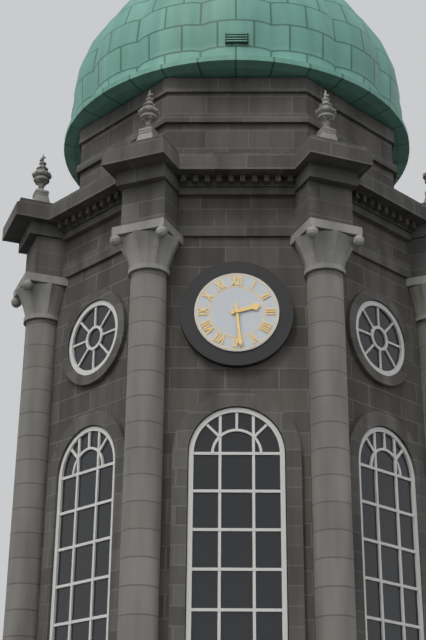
2:29
